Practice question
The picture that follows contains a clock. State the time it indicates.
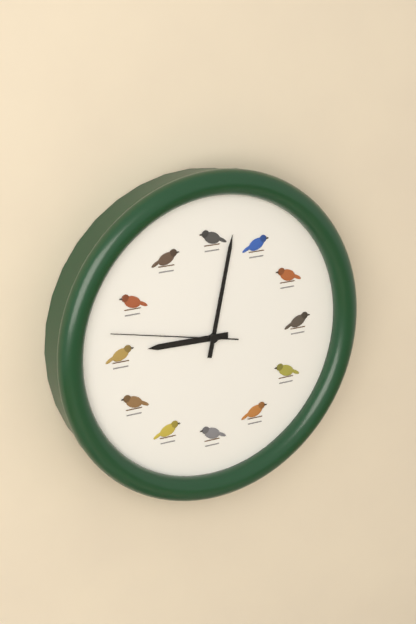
9:02:47
